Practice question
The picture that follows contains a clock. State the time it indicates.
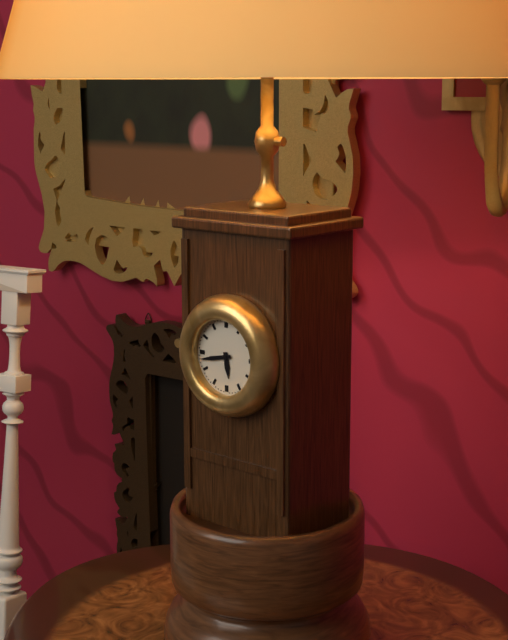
5:43
